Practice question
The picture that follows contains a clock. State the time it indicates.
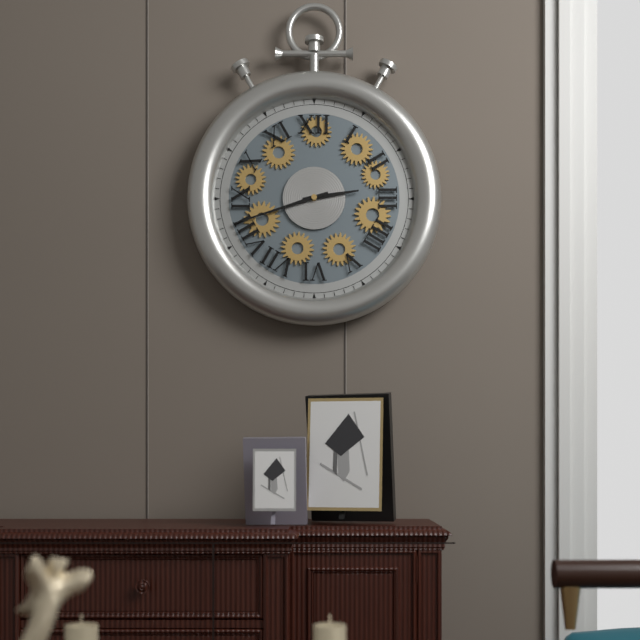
2:42
